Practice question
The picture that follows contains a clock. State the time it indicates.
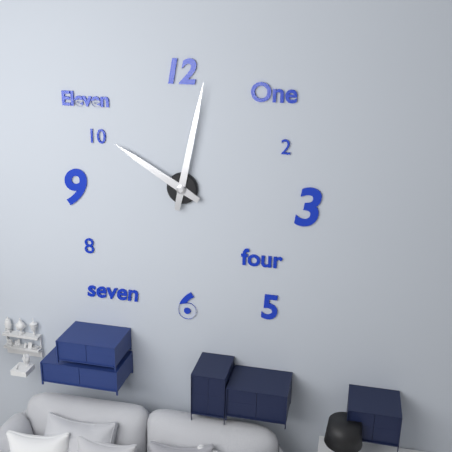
10:02
